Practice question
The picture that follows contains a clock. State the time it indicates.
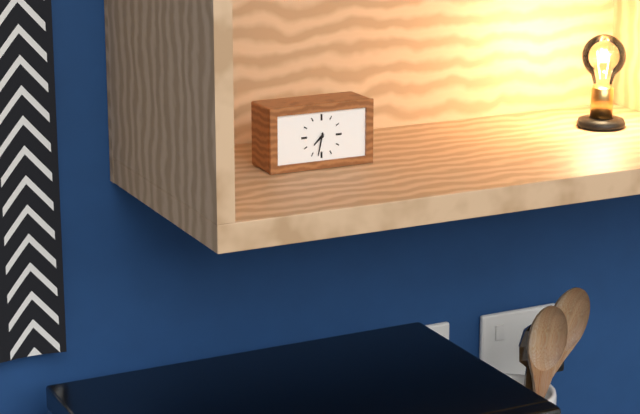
7:32
